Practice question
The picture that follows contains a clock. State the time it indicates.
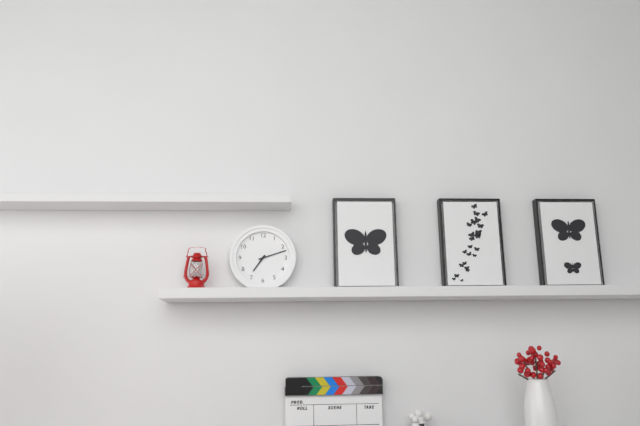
7:12
